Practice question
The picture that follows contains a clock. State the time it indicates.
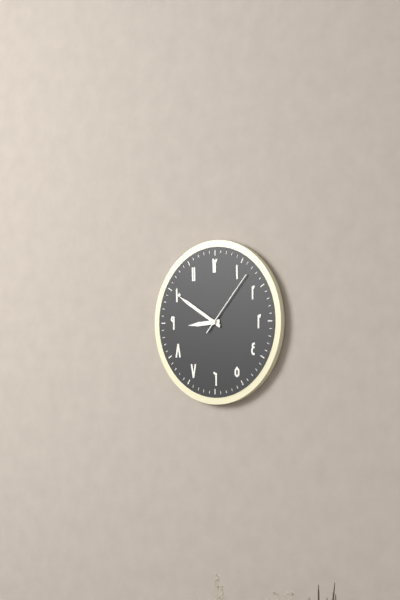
8:50:07
